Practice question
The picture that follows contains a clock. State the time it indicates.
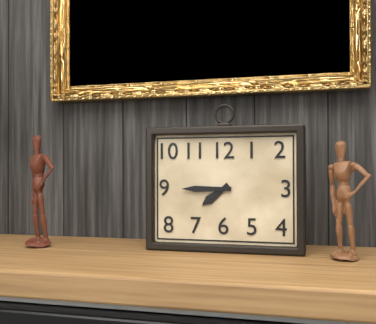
7:45
